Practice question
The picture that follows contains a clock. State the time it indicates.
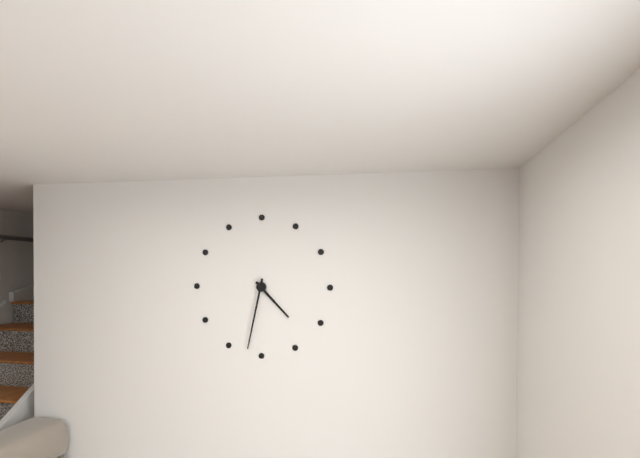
4:32
